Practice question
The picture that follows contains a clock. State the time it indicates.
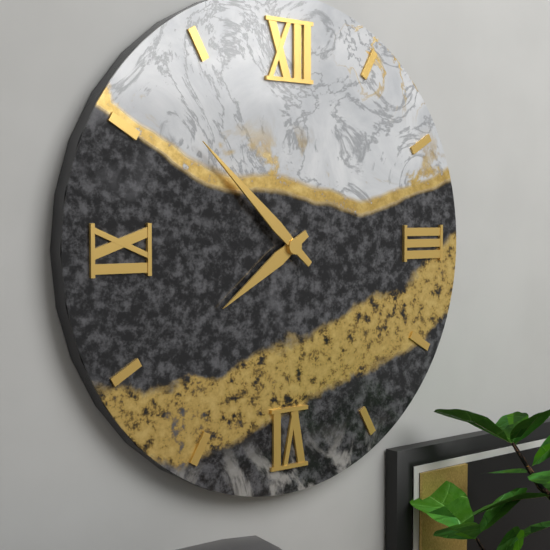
7:52
